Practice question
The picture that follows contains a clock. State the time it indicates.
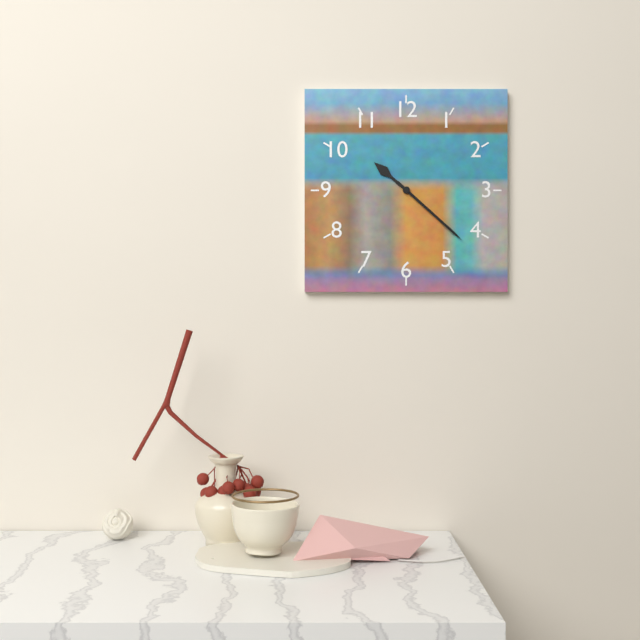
10:22
